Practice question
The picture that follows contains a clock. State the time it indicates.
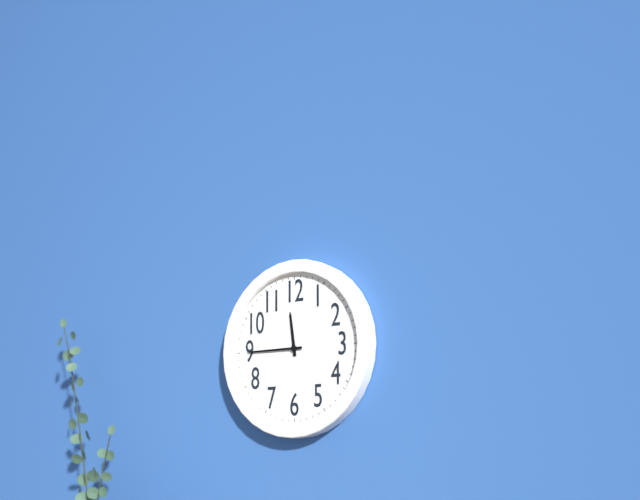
11:45
